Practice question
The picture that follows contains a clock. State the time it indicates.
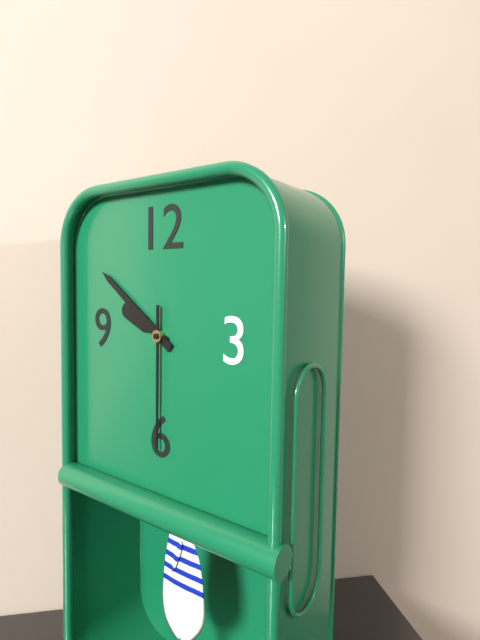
9:51:30
